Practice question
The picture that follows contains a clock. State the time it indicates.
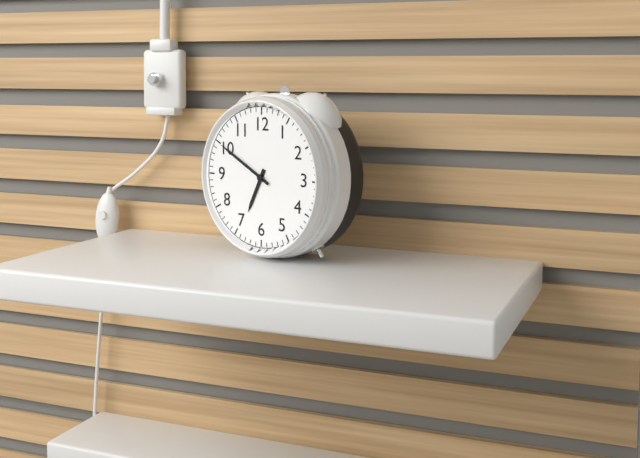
6:50
